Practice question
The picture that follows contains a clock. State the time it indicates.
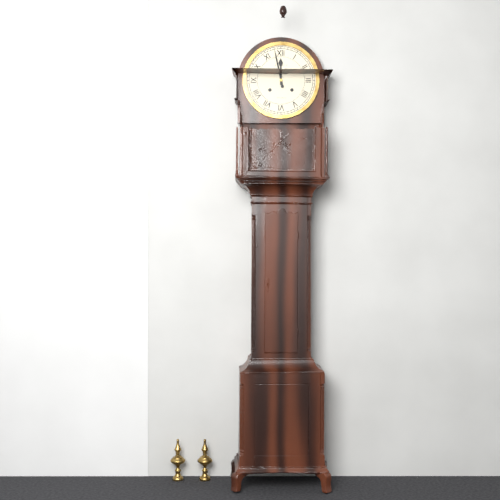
11:58
